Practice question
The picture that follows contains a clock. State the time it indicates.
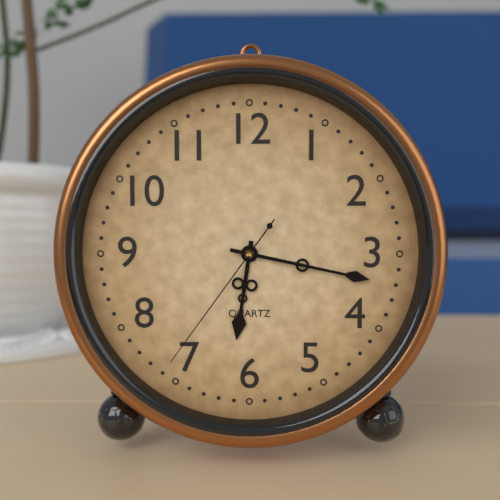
6:17:36
